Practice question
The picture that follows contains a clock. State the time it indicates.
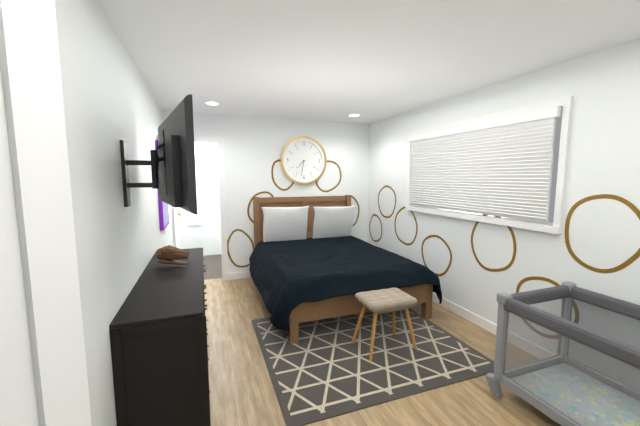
7:32
